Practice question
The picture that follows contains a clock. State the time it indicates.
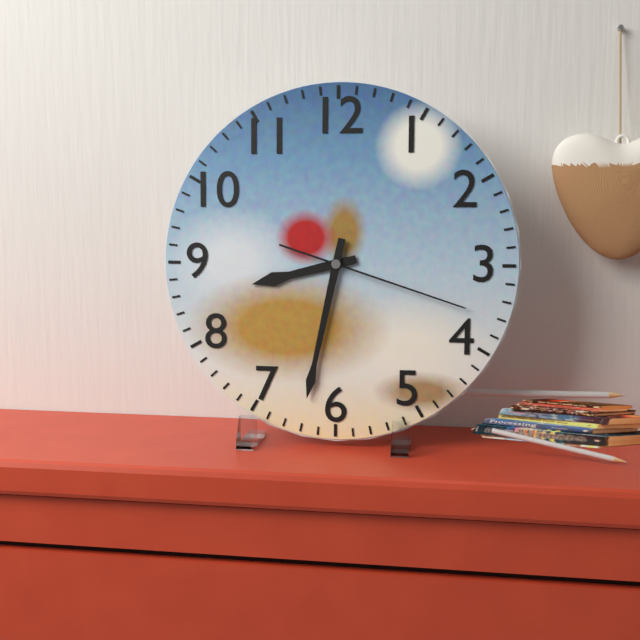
8:32:18
